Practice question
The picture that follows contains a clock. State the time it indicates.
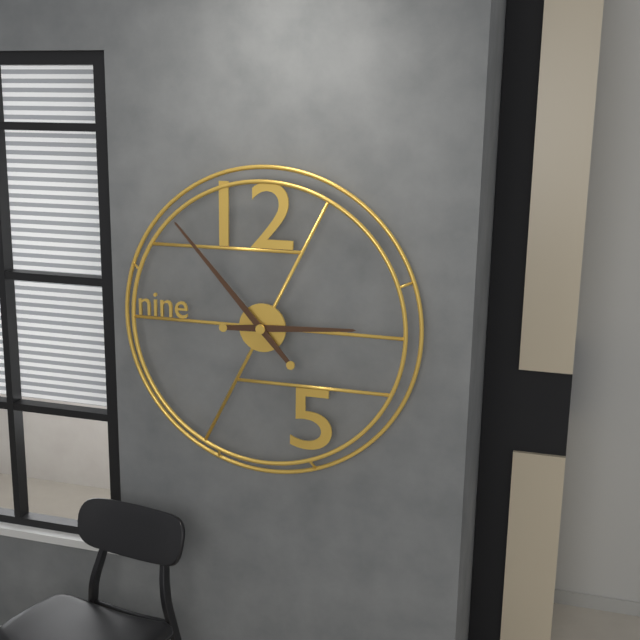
2:53
